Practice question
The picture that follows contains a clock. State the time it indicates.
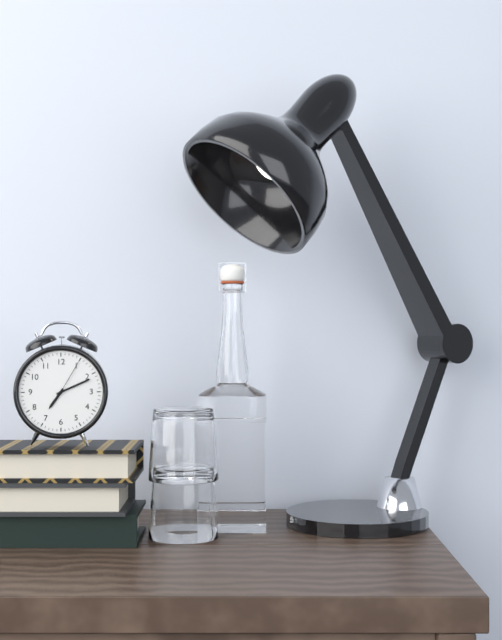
7:11
